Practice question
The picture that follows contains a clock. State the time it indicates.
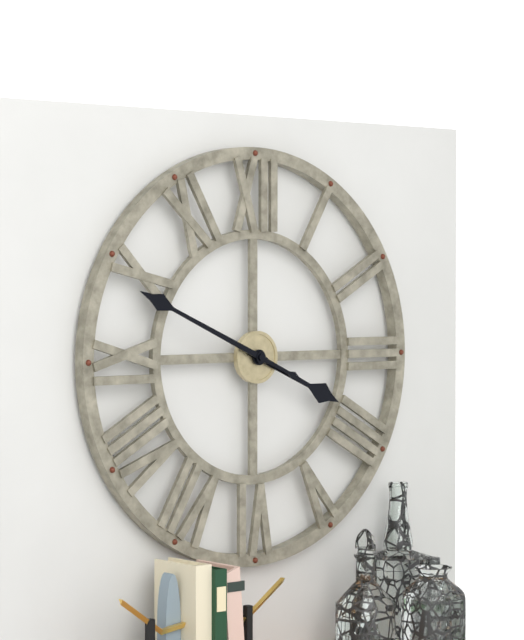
3:49
